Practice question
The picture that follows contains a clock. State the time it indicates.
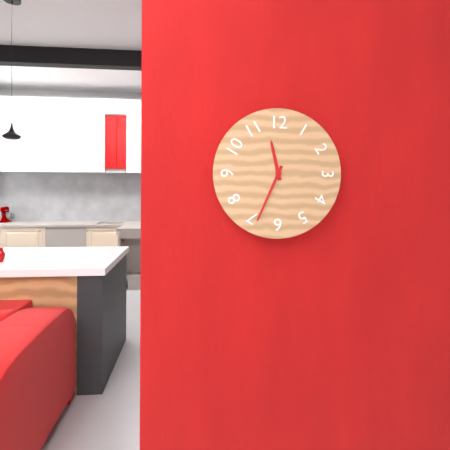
11:34
